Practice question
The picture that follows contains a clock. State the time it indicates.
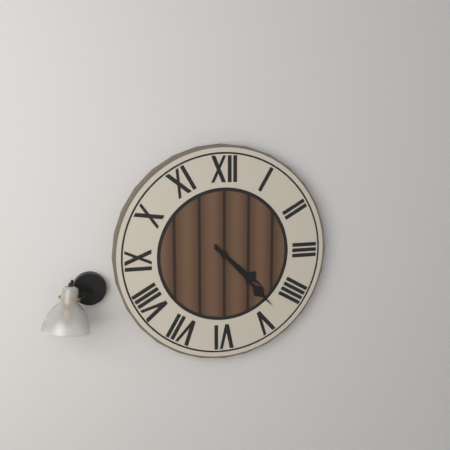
4:23
